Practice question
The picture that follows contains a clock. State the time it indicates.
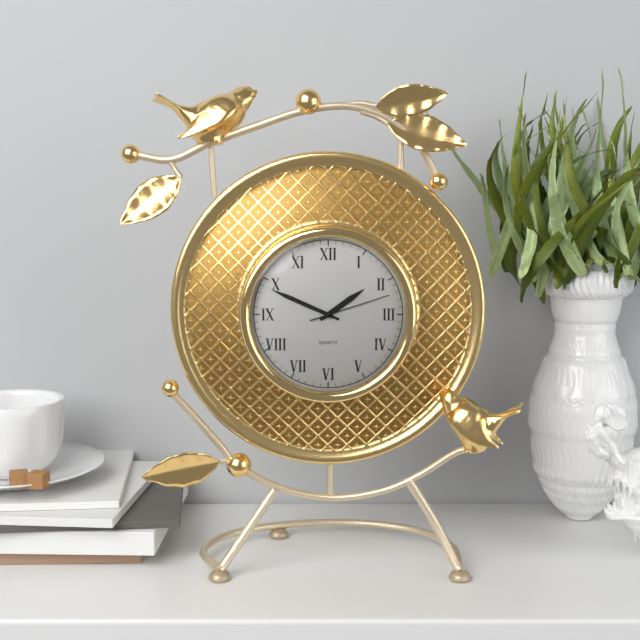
1:49:12
